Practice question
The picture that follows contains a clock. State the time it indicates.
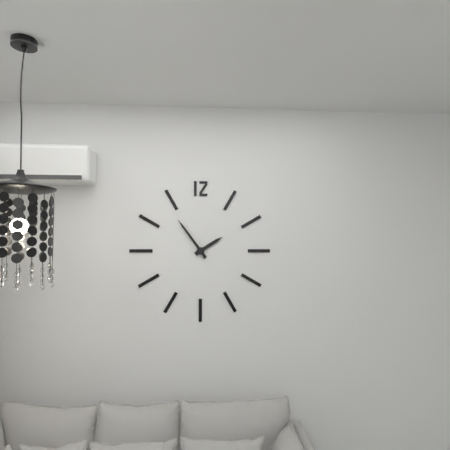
1:54
